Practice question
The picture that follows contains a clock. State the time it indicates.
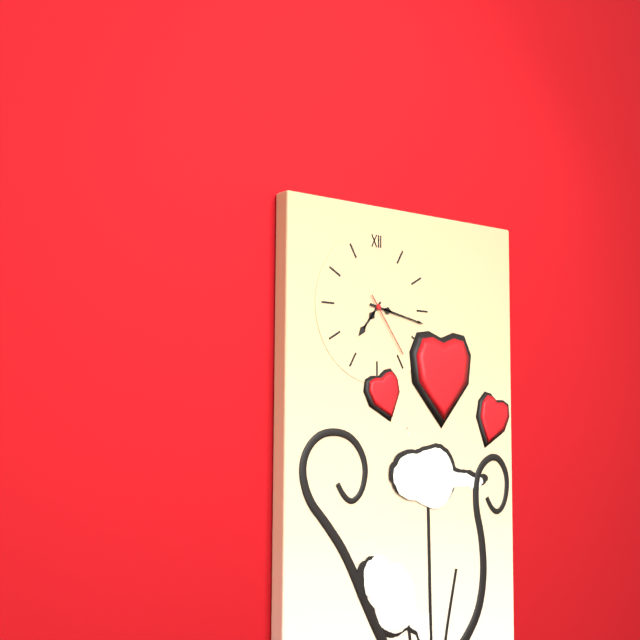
7:17:24
